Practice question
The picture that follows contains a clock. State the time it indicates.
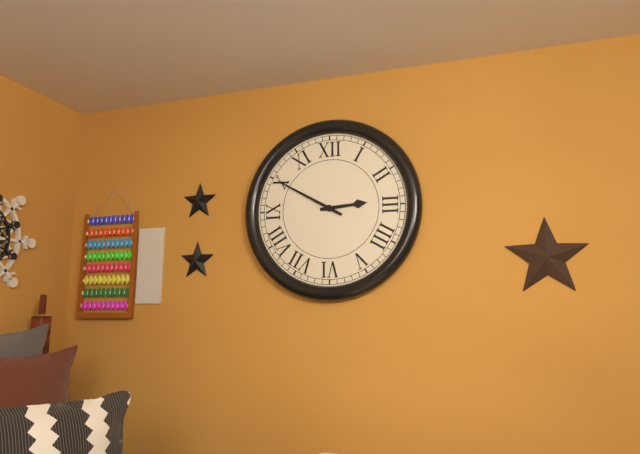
2:50
